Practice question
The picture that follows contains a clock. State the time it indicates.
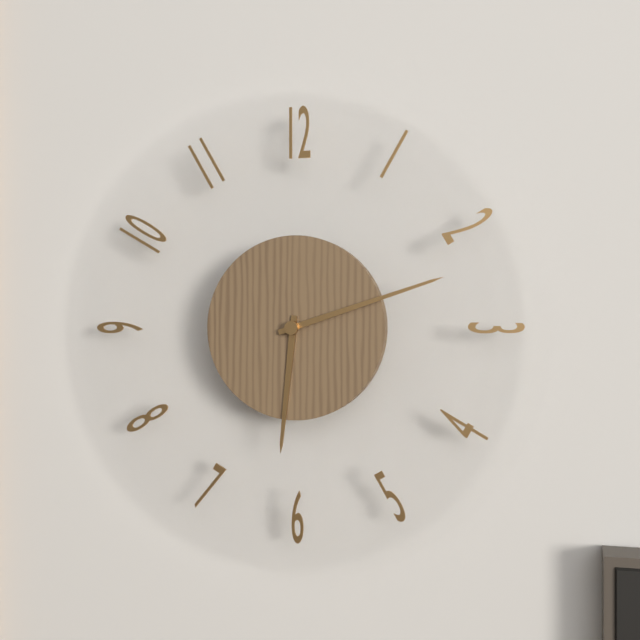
6:12
